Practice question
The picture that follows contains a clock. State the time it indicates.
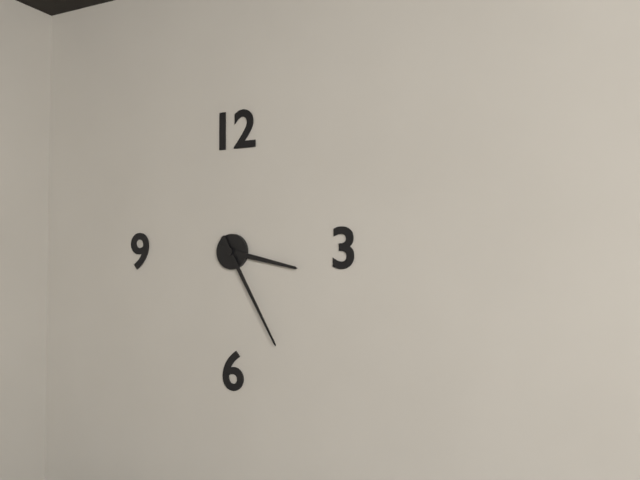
3:25
